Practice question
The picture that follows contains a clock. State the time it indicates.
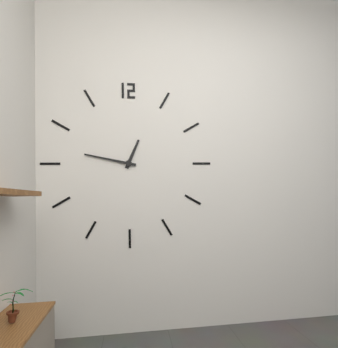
12:47
